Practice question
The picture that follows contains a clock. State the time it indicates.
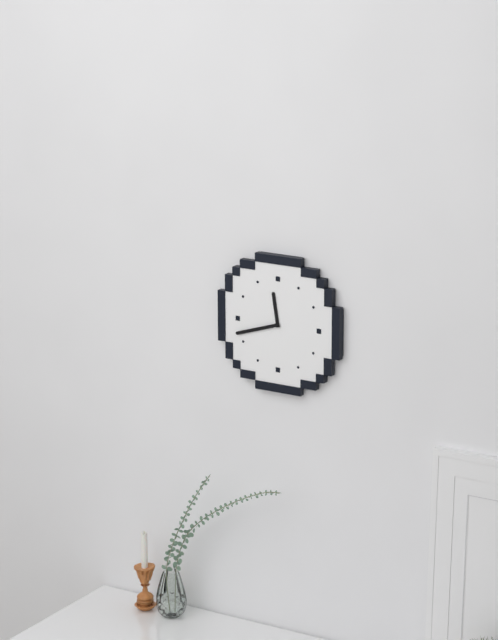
11:42
